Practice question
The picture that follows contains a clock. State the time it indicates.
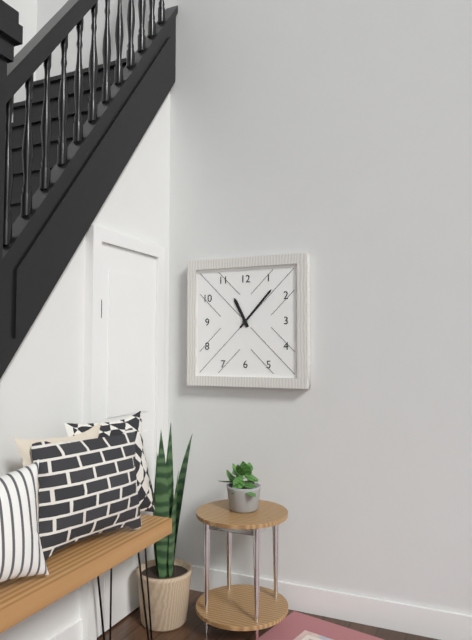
11:07
